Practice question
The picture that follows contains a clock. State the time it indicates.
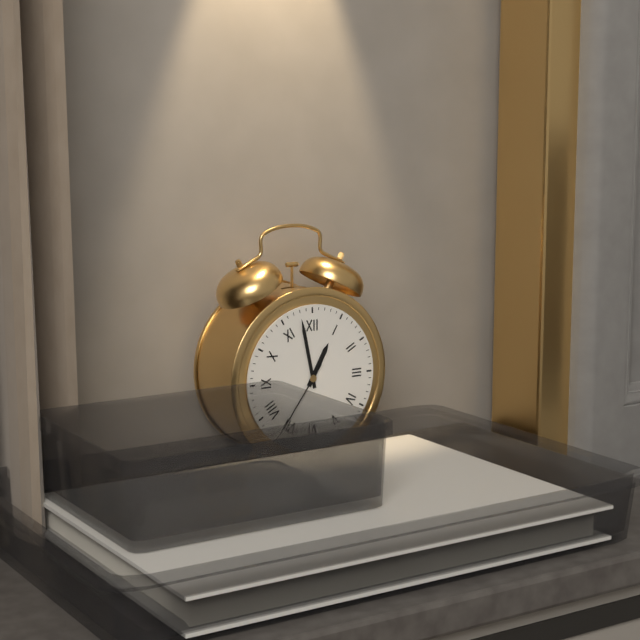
12:58
